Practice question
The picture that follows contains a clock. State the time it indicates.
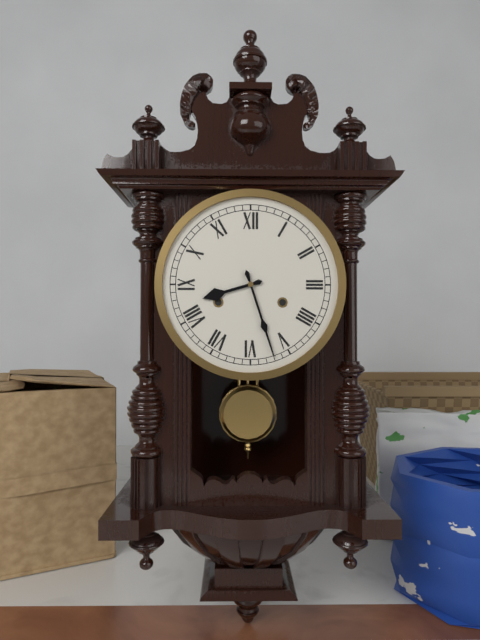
8:27
